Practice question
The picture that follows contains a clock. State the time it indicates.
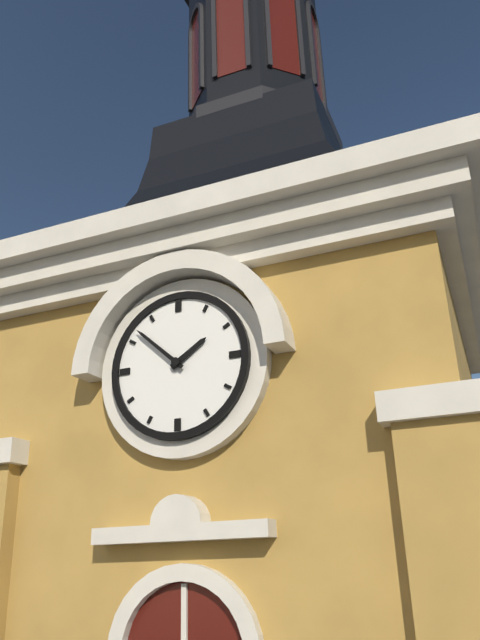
1:52
